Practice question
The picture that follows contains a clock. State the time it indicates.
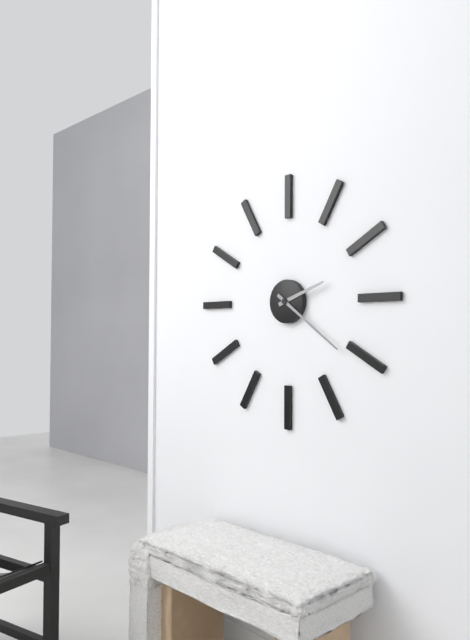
2:21
